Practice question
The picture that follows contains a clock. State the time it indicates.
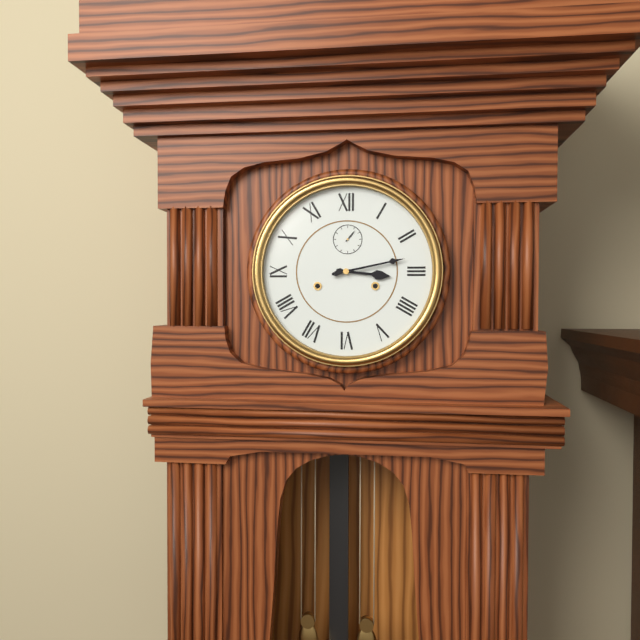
3:13
